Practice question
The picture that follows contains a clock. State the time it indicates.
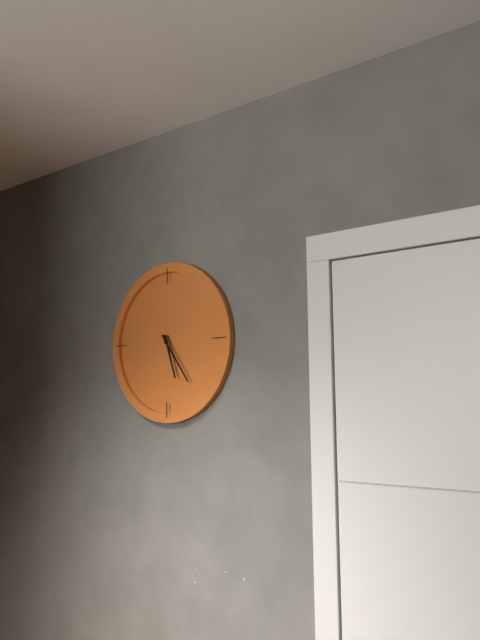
5:24
